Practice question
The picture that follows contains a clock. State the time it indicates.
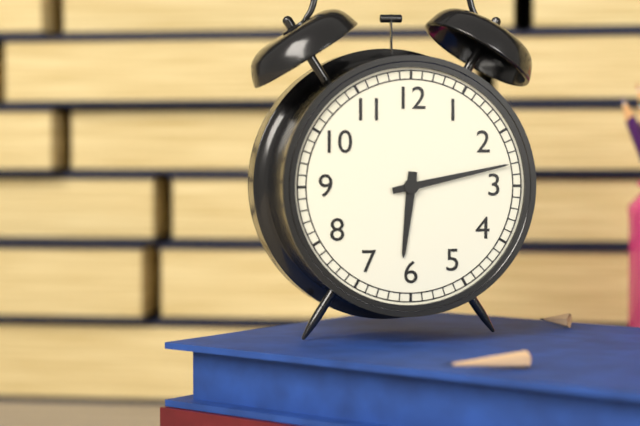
6:13
